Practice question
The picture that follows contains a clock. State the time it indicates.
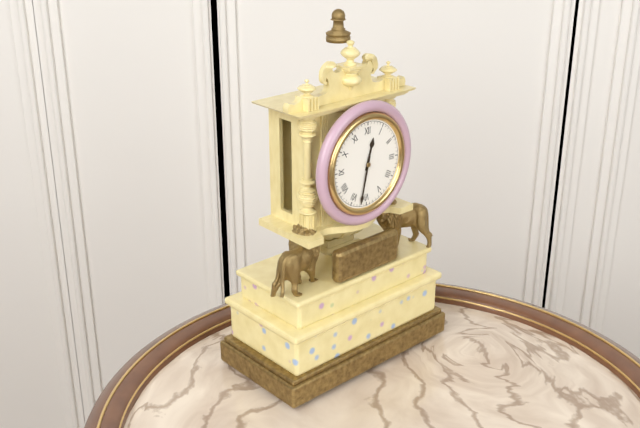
12:32
